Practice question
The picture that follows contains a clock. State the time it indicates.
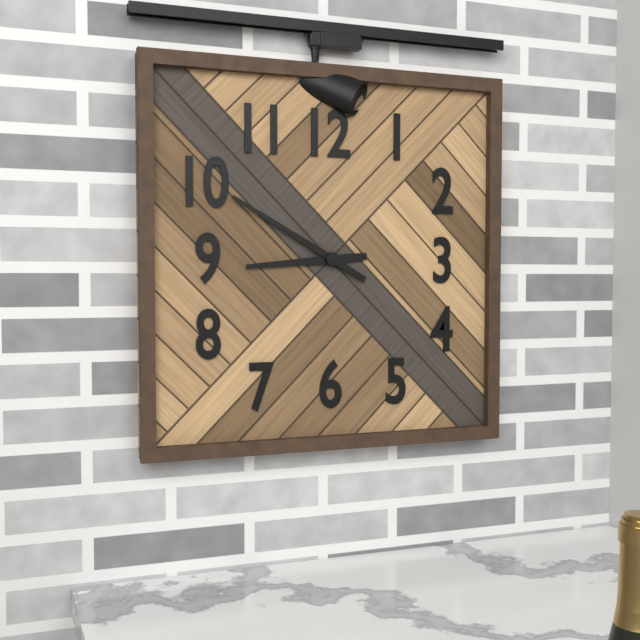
8:50
